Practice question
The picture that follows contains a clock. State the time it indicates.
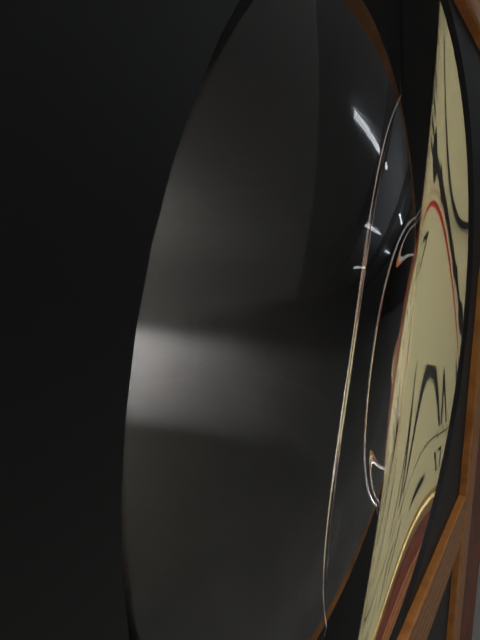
4:11:23
